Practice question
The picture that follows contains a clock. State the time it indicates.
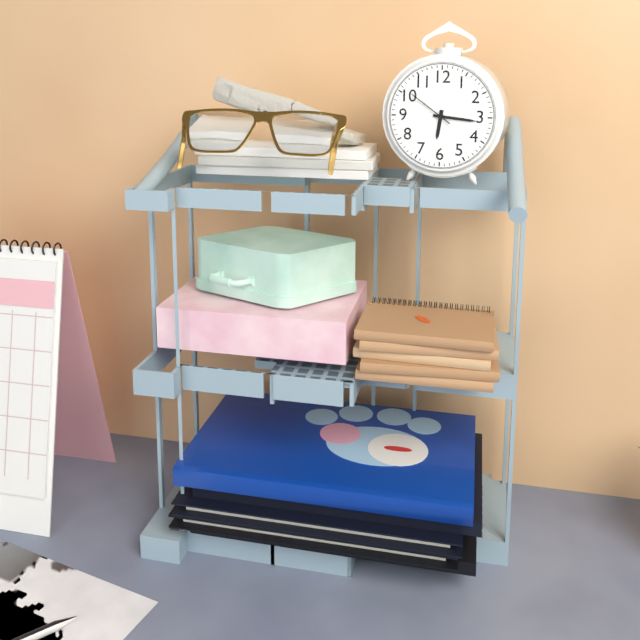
6:16:51
